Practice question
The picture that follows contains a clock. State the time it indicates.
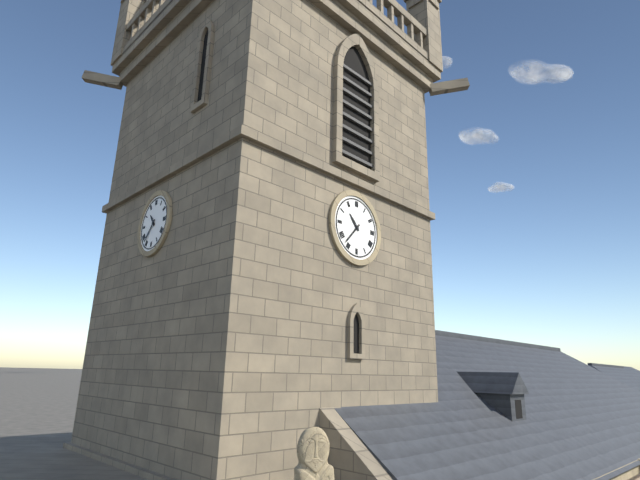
10:37
